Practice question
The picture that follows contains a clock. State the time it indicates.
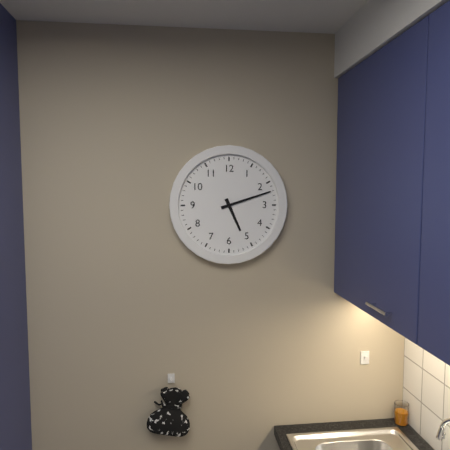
5:12
